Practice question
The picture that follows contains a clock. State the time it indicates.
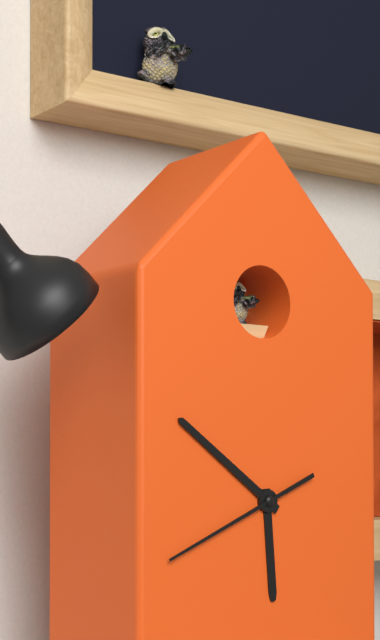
5:51:41
